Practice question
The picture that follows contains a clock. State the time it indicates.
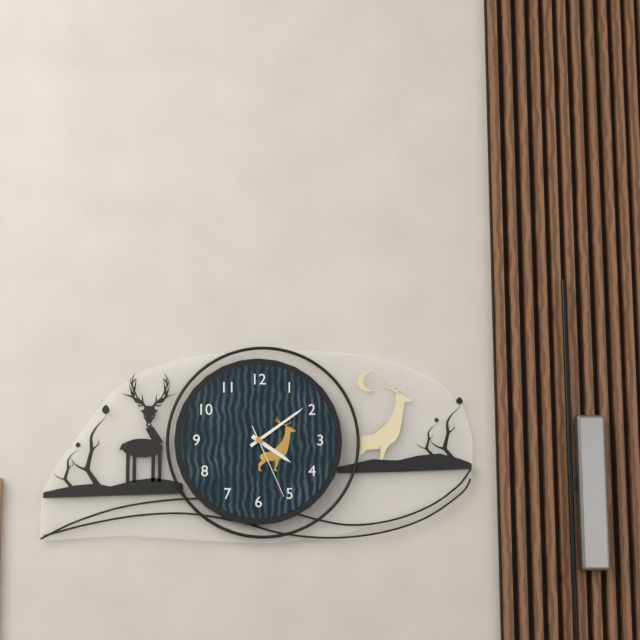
4:09:26
